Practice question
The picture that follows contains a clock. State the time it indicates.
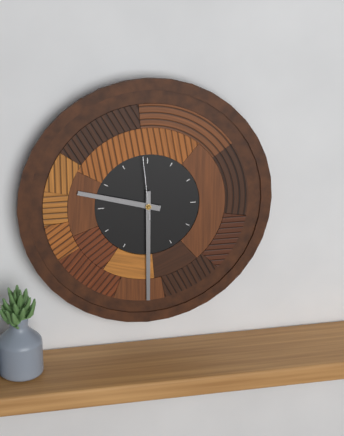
9:30:59
